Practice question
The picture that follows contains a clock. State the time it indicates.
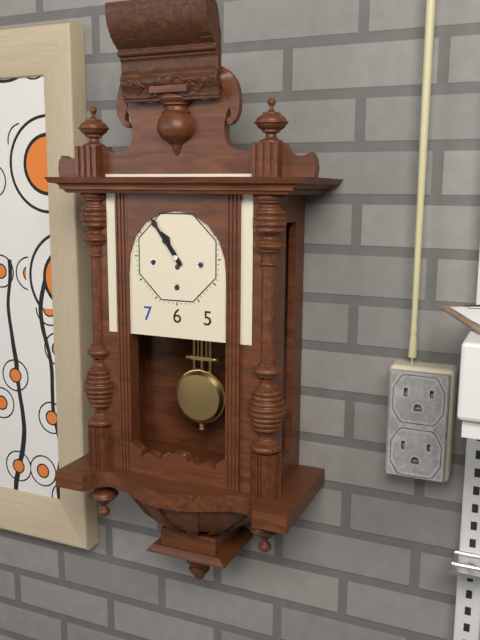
10:54
